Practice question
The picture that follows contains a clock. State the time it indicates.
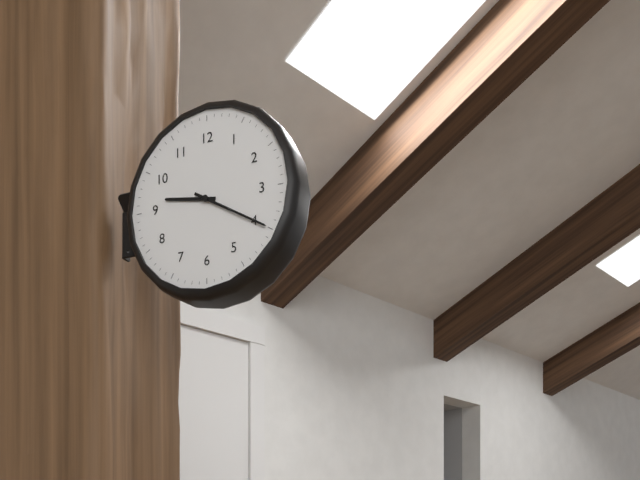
9:20
